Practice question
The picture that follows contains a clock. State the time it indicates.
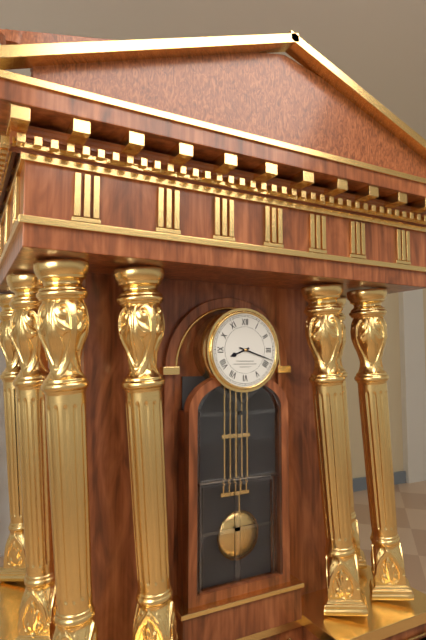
8:18
